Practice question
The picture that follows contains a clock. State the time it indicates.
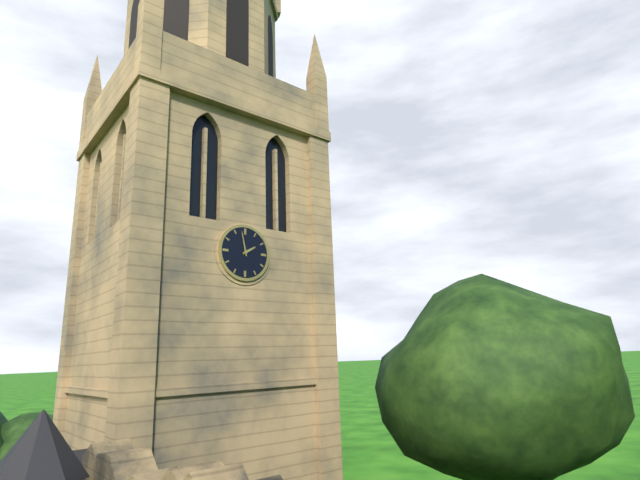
1:58
